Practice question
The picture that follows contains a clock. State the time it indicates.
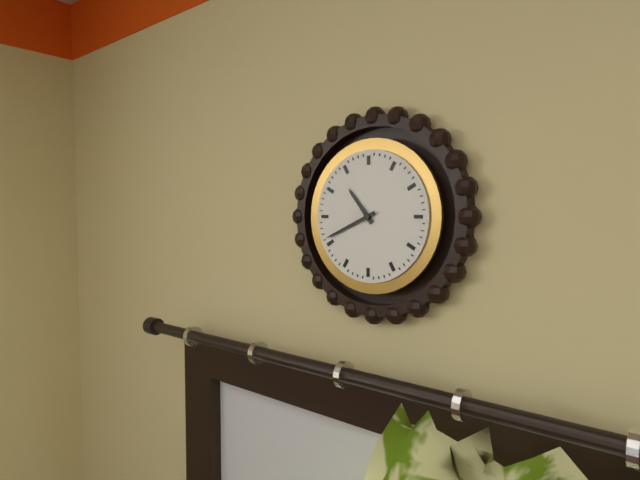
10:41
